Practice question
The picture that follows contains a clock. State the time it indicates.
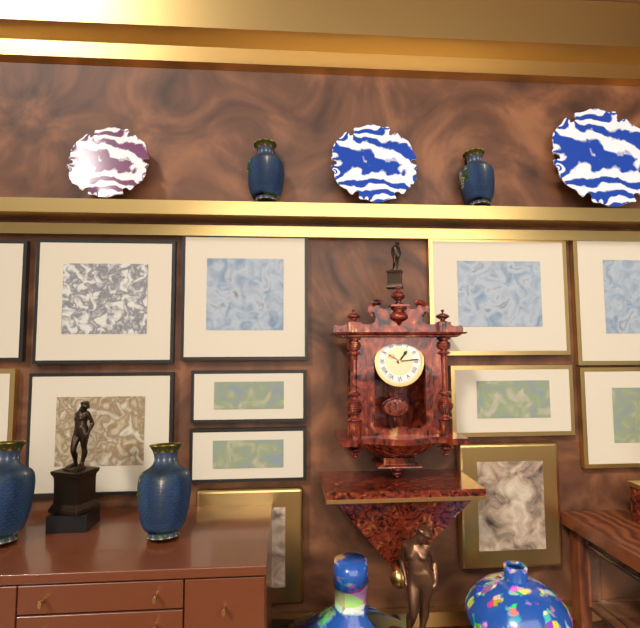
1:14
